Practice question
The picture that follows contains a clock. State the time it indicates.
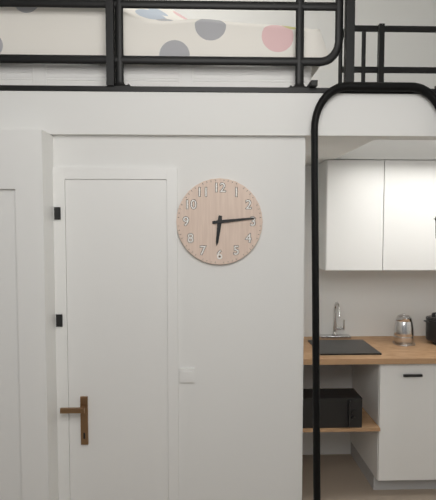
6:14
